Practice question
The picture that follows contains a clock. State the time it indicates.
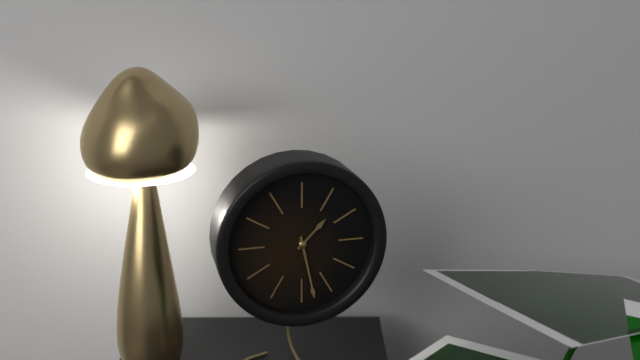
1:28
